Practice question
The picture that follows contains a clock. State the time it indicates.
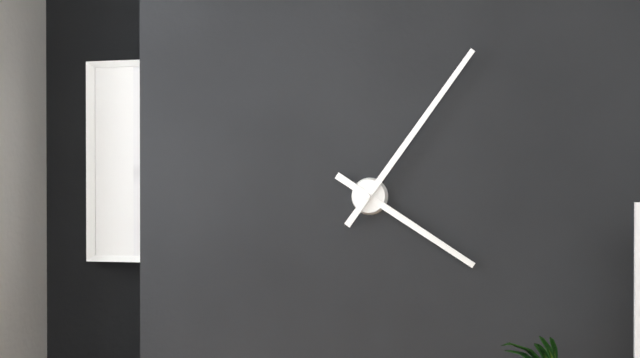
4:06
